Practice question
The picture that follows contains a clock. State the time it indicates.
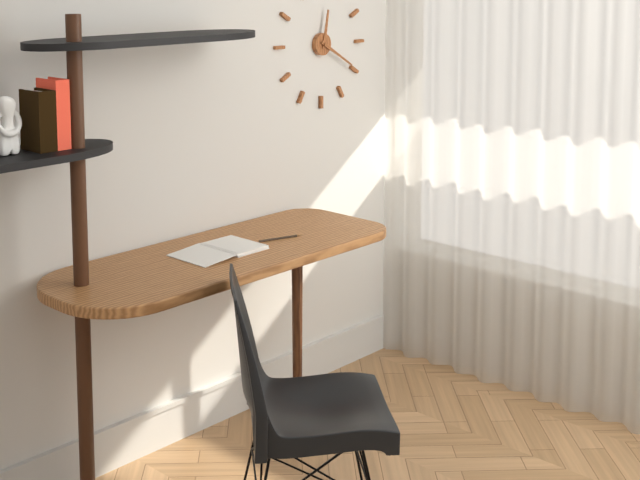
12:20
